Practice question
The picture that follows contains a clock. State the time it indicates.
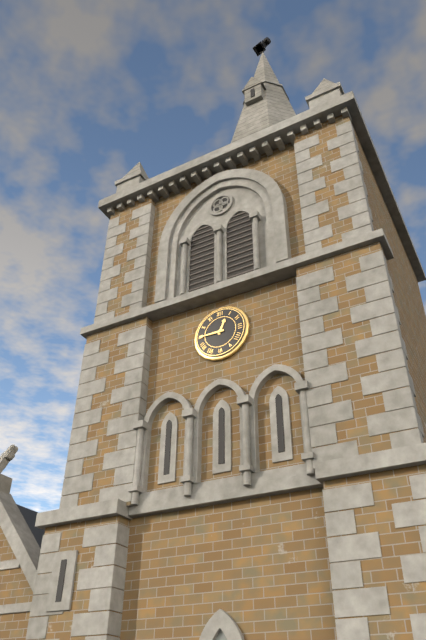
12:45
